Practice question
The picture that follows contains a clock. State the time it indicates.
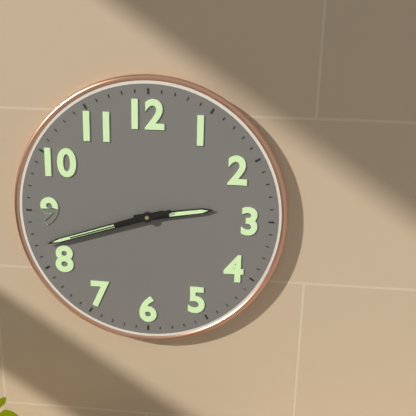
2:42:42
